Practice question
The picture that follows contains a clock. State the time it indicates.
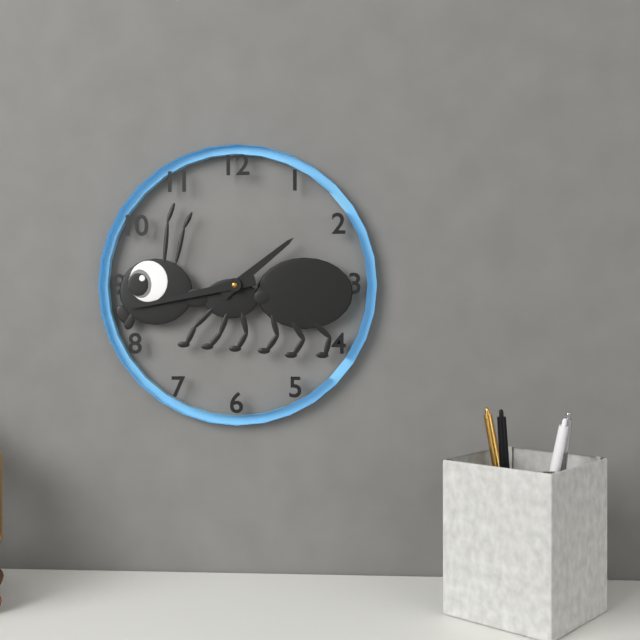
1:43
